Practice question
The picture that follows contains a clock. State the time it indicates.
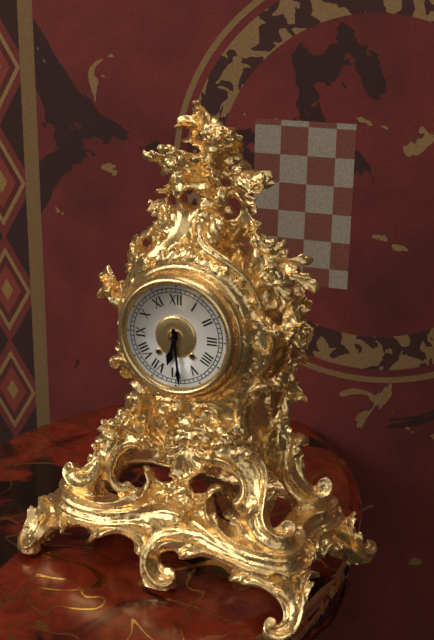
6:29
